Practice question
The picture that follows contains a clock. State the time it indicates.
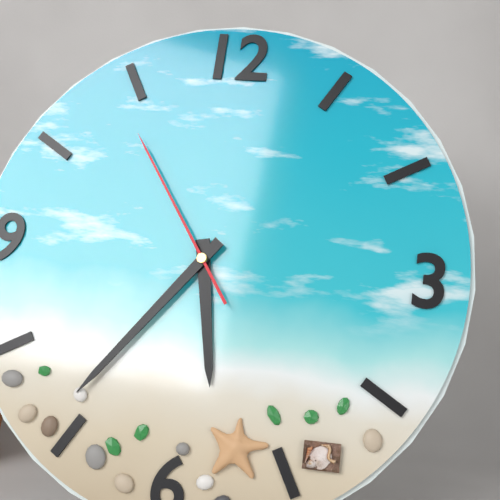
5:36:54
